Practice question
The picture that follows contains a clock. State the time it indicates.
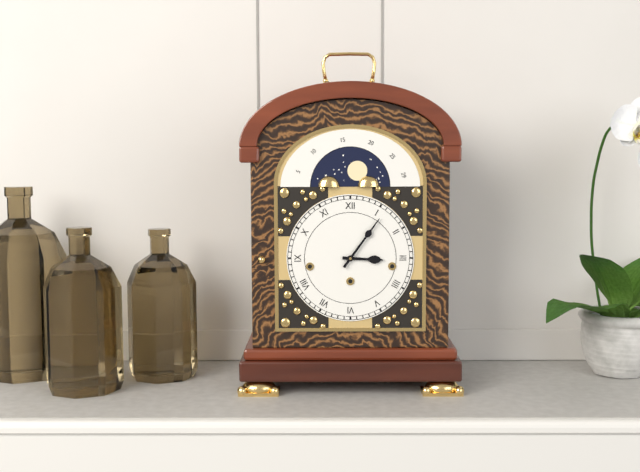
3:06
